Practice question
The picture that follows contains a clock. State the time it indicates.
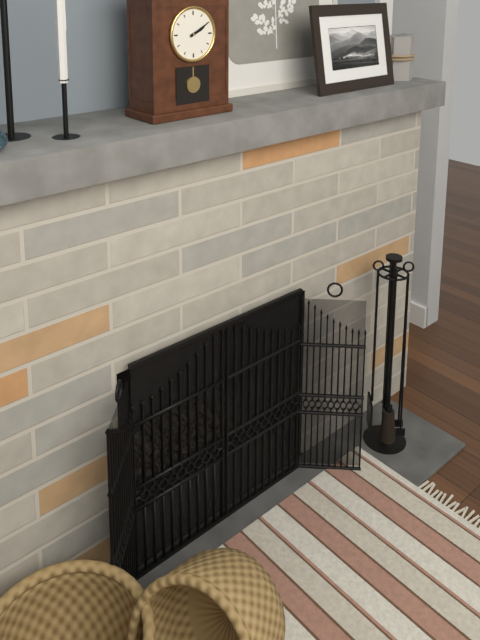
2:10
